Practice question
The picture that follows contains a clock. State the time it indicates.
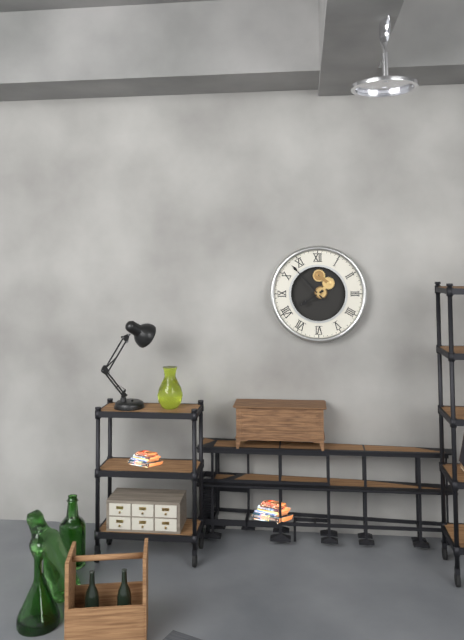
7:53
